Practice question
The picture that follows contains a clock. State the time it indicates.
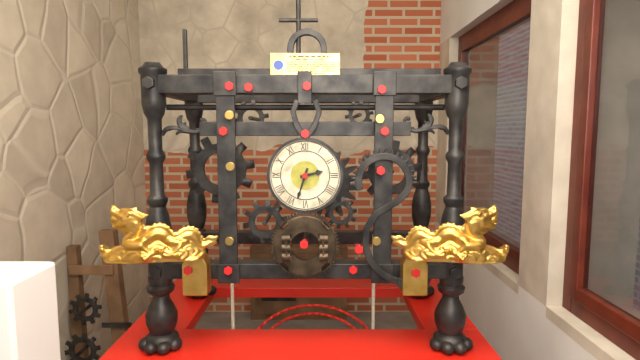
2:33
